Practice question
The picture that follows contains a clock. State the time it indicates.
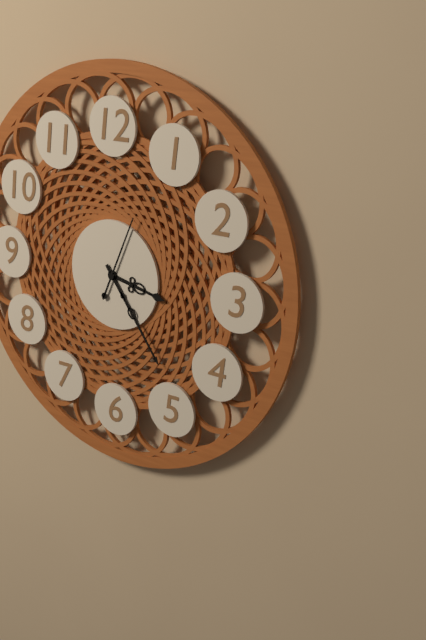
3:24:04
